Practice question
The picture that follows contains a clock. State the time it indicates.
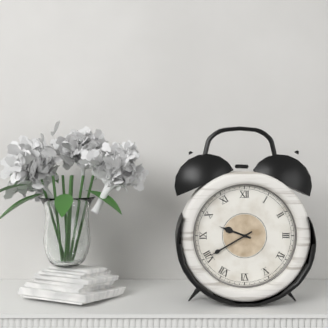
9:40
